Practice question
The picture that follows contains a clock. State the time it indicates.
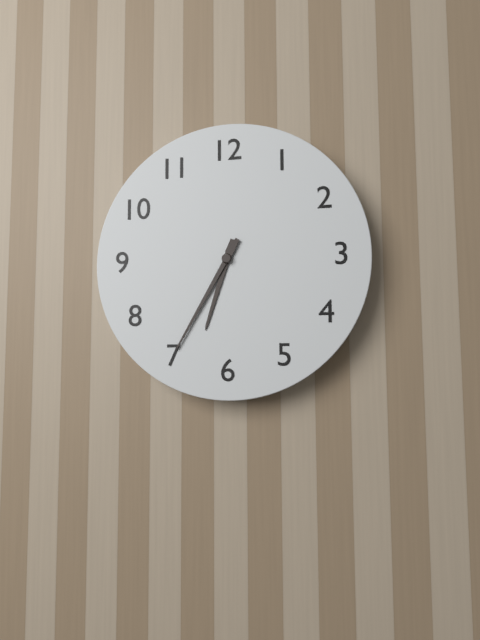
6:35
